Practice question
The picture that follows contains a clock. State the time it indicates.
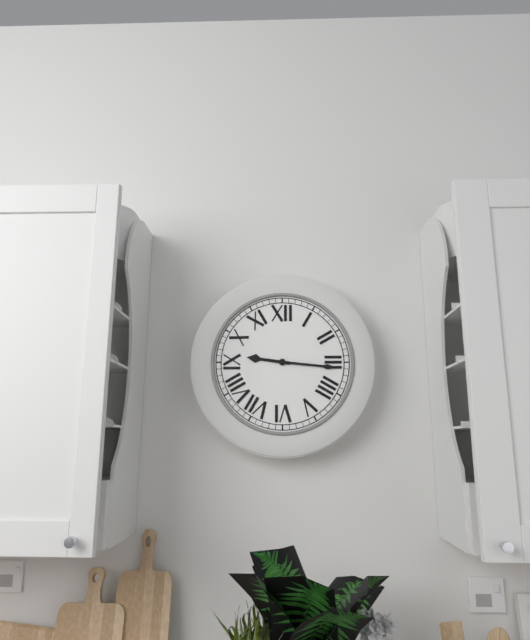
9:16
